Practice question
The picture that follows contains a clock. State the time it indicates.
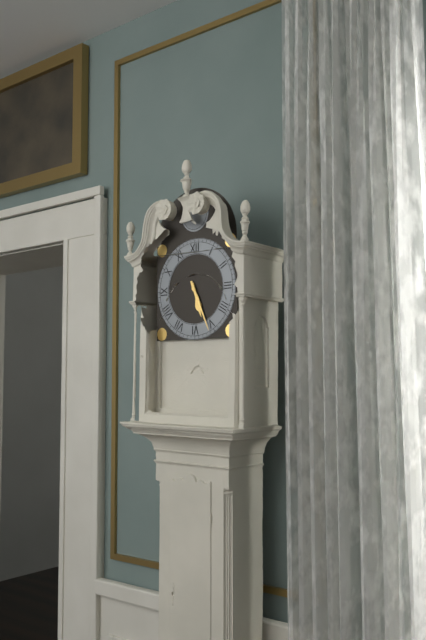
5:26
